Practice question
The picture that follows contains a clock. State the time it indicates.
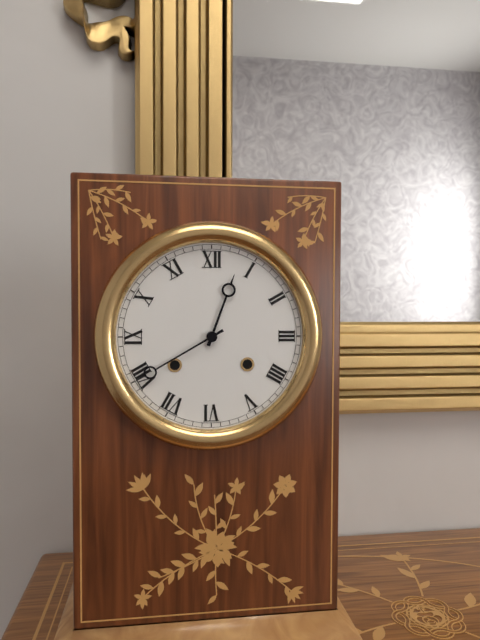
12:40
